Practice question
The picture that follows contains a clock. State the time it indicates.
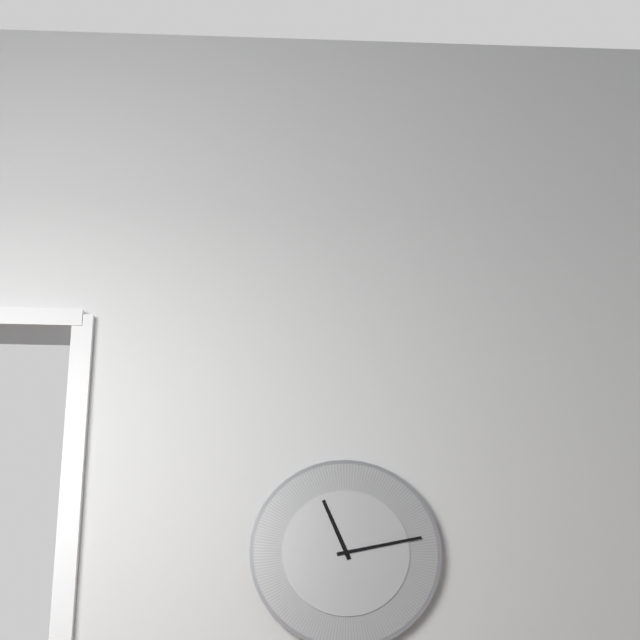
11:13
